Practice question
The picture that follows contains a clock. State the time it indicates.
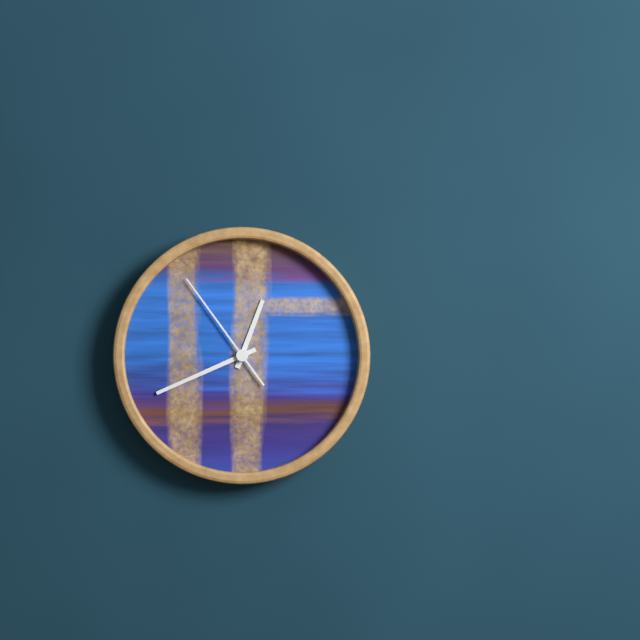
12:41:54
